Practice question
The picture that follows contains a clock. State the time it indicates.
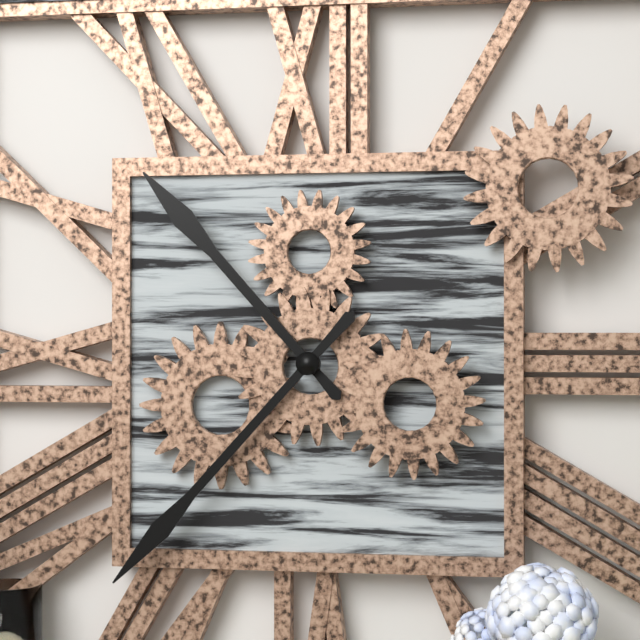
10:37
